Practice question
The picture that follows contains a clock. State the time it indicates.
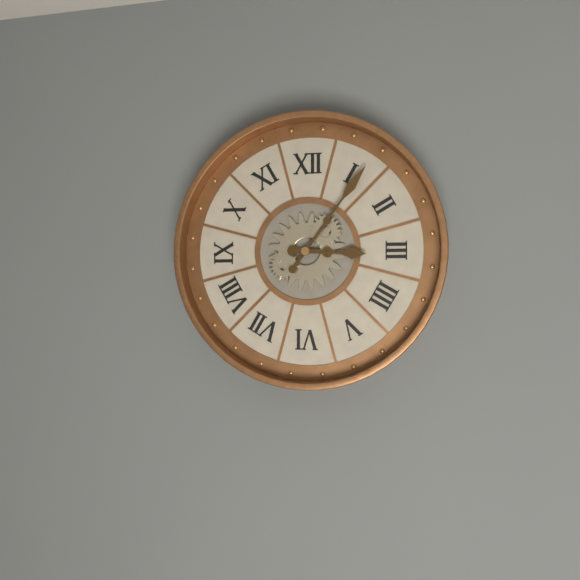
3:06
